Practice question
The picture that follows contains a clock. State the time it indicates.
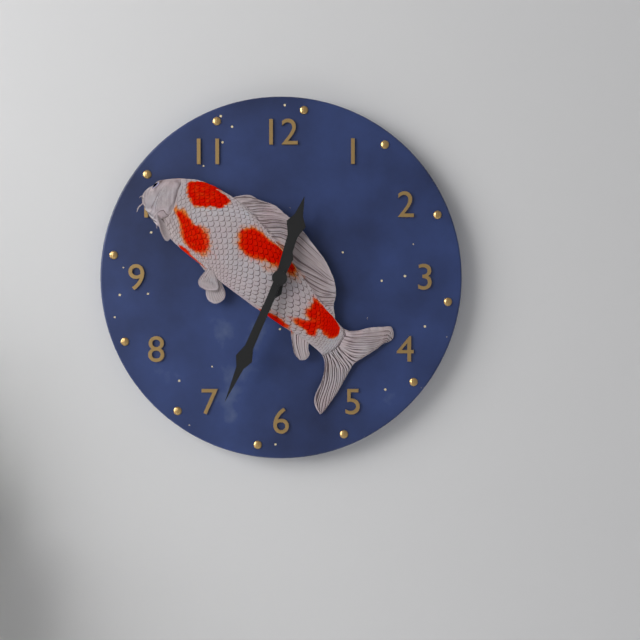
12:34
